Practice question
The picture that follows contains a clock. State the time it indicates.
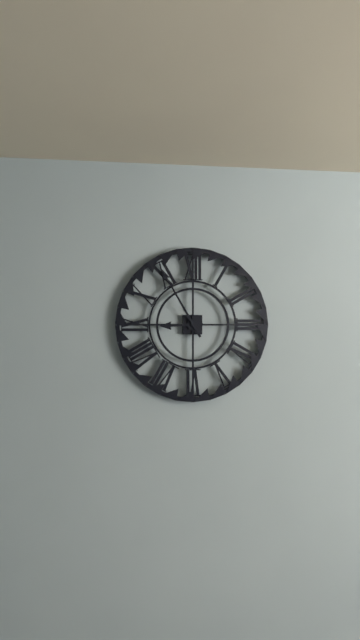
8:55
